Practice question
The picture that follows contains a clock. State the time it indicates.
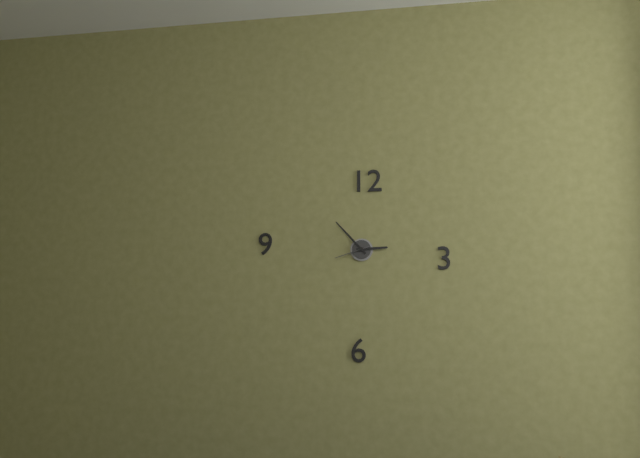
2:53
